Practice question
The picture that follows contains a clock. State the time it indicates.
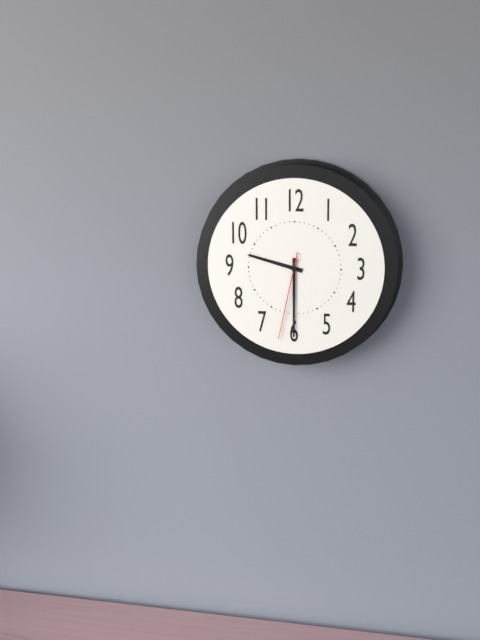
9:30:32
